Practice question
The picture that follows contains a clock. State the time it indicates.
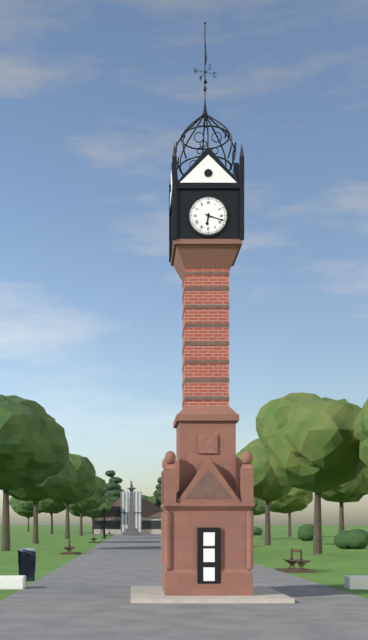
6:18
